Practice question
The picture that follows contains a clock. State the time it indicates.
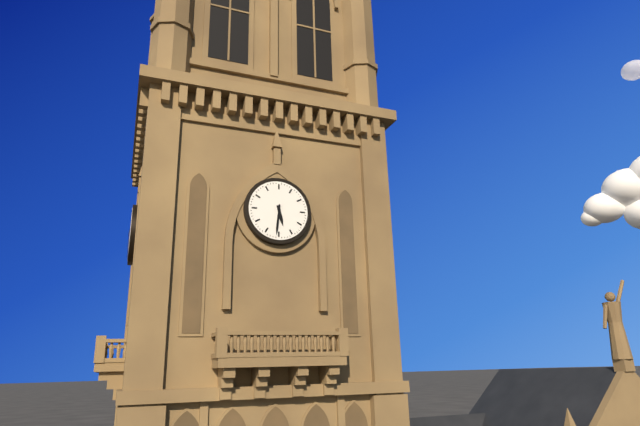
5:31
